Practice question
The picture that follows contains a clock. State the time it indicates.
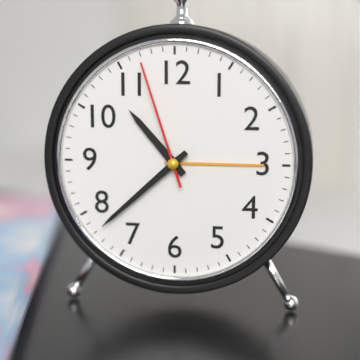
10:38:57
